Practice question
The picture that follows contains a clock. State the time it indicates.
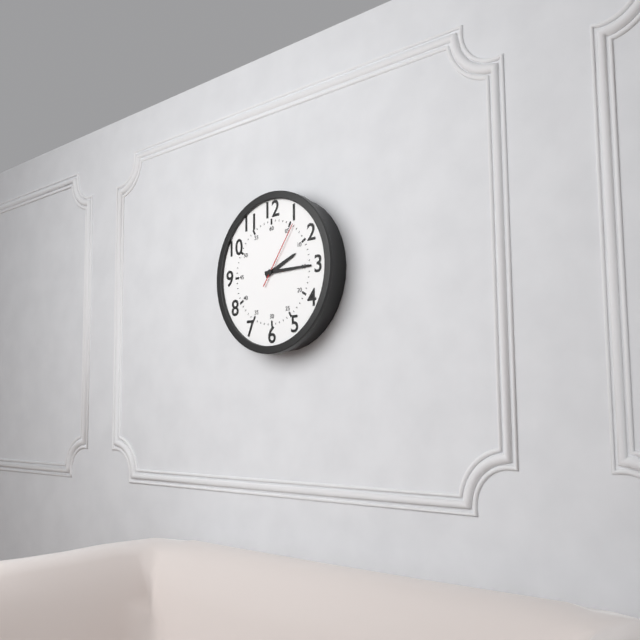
2:15:06
